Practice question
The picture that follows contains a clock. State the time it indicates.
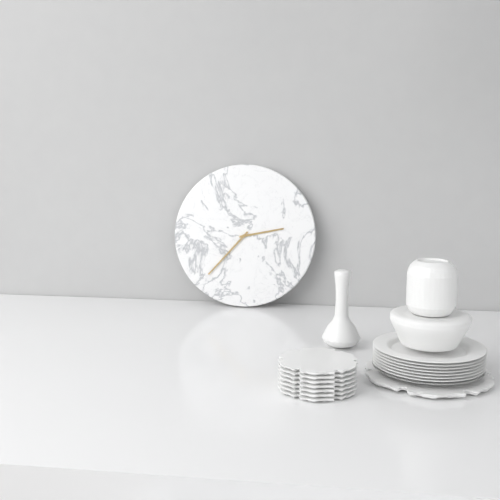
2:37
